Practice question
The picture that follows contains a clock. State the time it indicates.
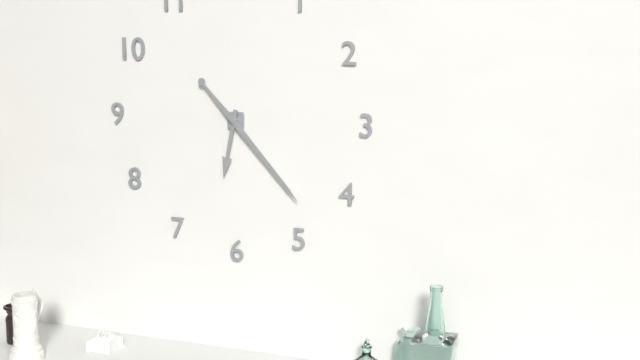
6:23
